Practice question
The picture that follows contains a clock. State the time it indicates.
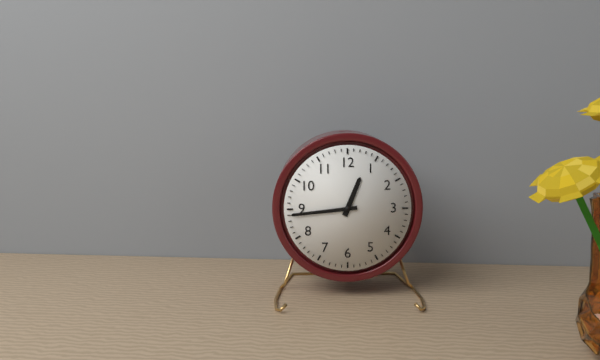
12:44
